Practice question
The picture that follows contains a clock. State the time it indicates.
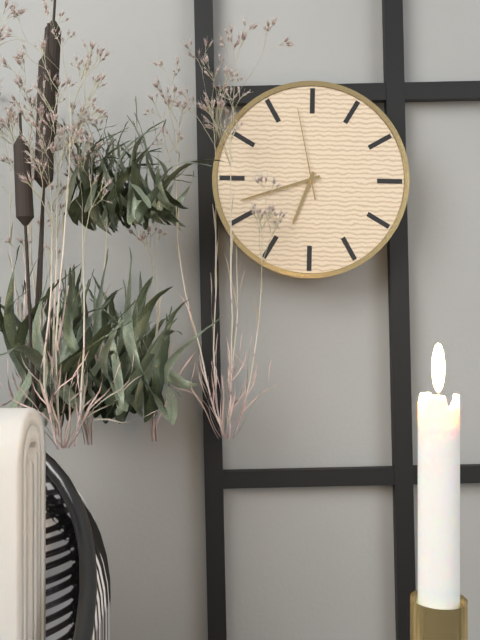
6:42:58
